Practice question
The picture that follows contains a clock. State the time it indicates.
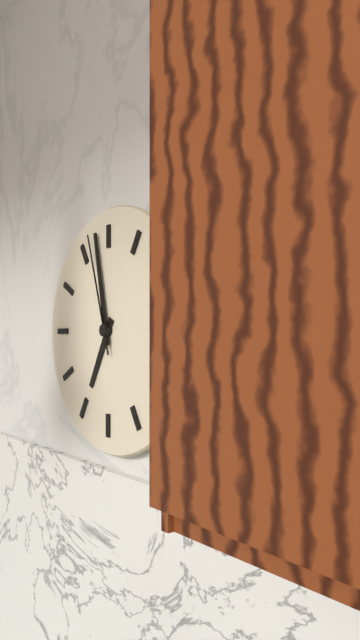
6:58:57
